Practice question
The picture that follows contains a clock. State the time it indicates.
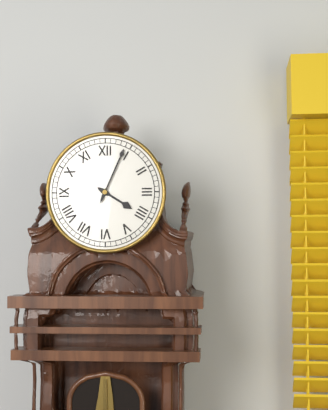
4:04
